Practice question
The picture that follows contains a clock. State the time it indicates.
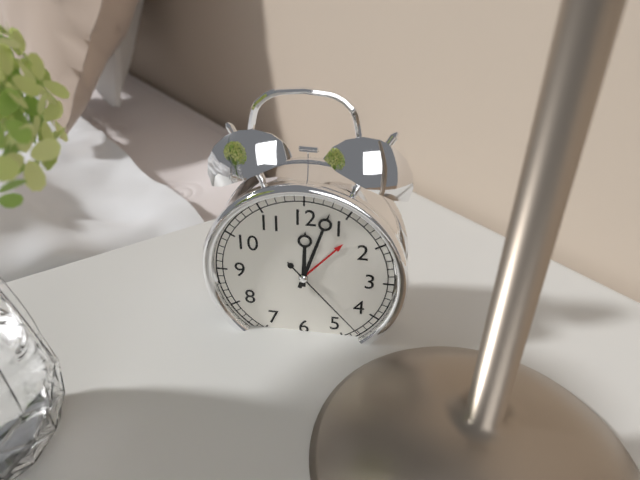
12:03:23
